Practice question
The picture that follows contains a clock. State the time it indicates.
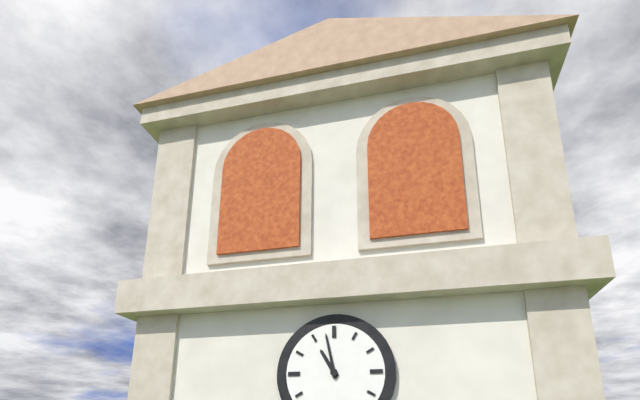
10:58
